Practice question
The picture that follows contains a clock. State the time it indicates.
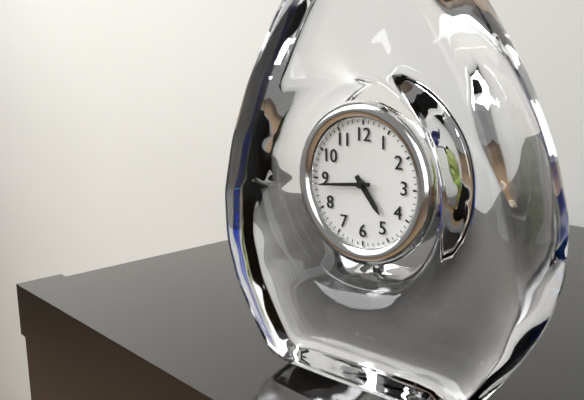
4:44
